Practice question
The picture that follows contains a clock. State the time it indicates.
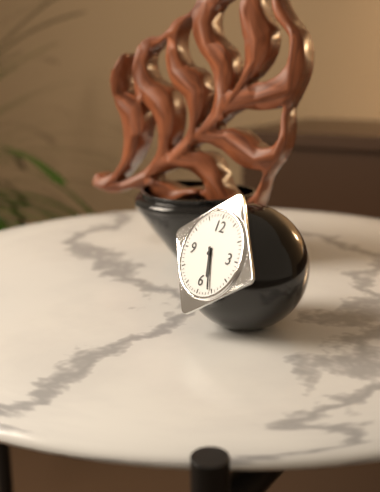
5:26
